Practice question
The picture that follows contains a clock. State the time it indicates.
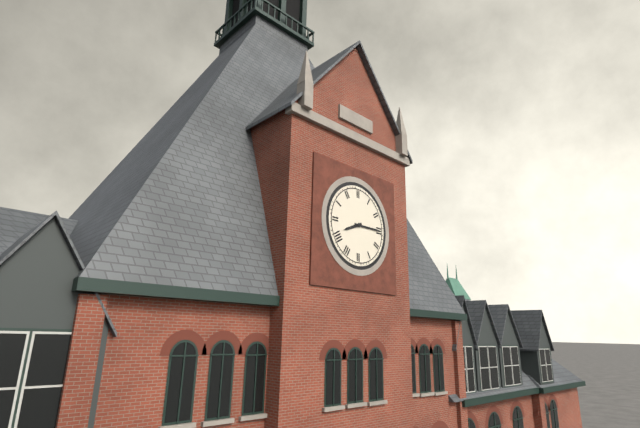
8:15
